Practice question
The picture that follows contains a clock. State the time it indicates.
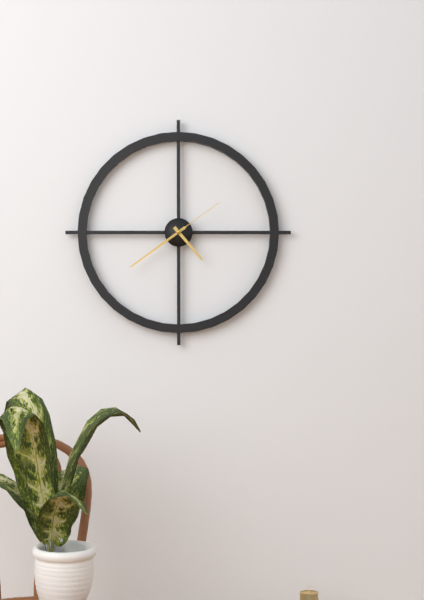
4:39:09
